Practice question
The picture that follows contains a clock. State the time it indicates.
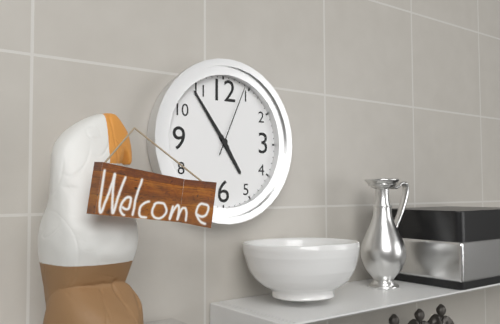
4:54:04
